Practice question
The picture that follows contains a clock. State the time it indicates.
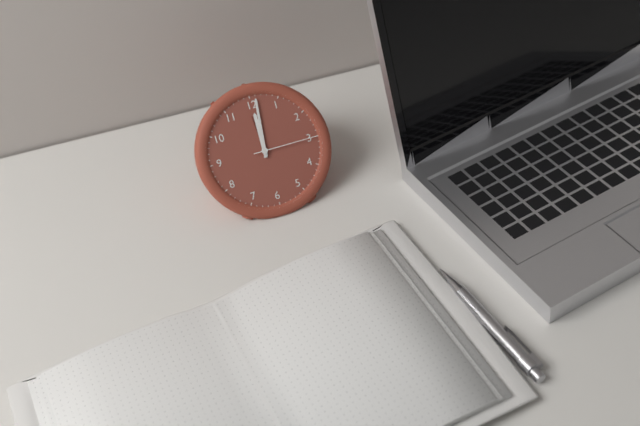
12:01:15
